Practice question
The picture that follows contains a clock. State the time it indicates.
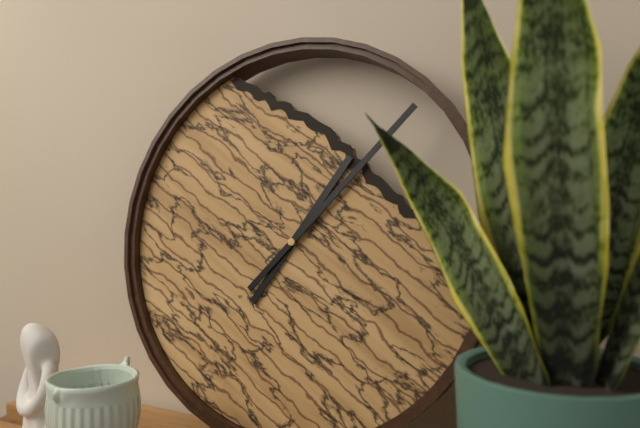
1:07
